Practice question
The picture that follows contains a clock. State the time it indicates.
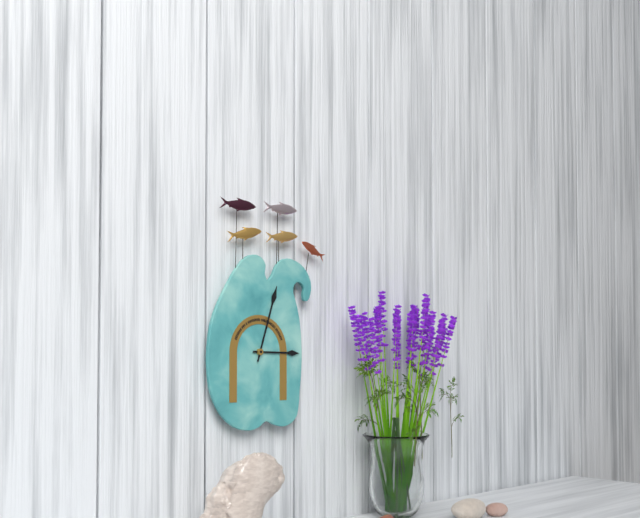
3:03
